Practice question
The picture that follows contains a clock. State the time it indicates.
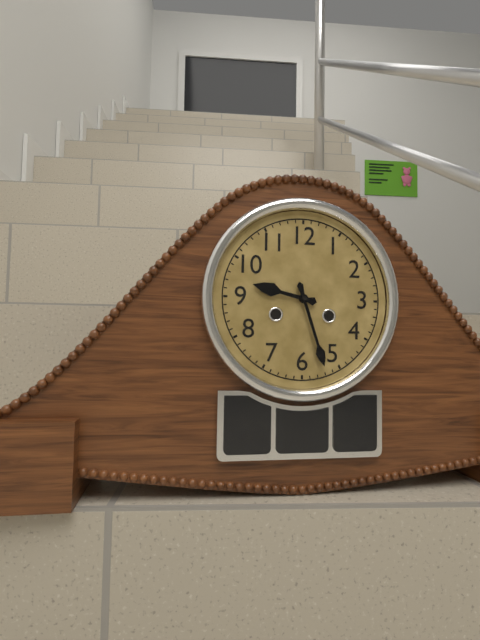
9:27
